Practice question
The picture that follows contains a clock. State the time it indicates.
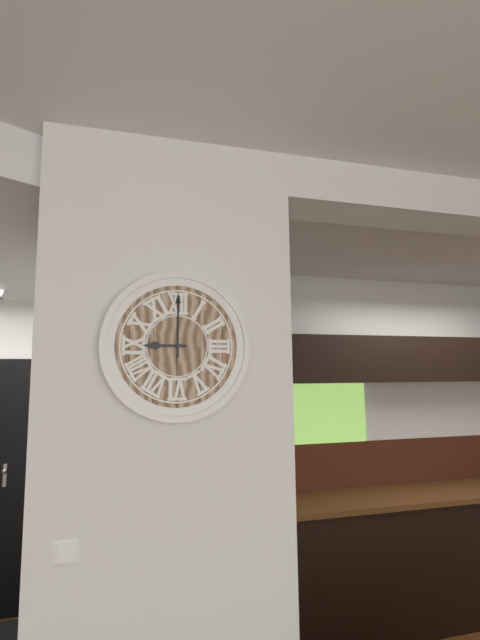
9:00
